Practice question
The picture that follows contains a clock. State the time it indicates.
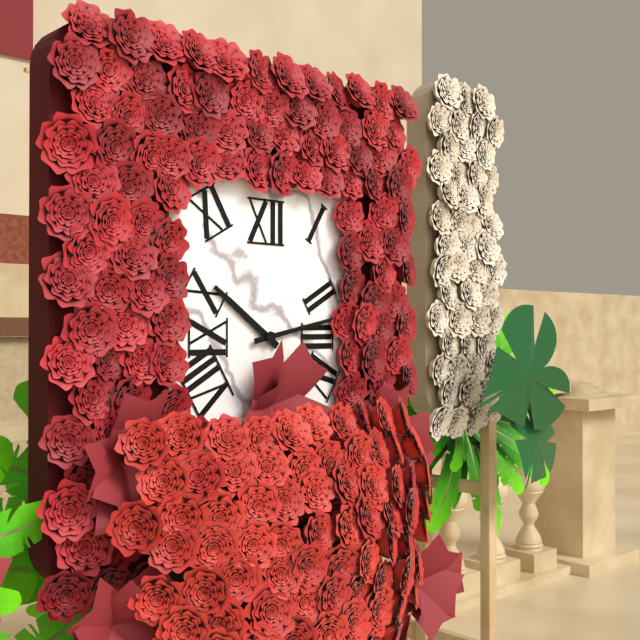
10:13
